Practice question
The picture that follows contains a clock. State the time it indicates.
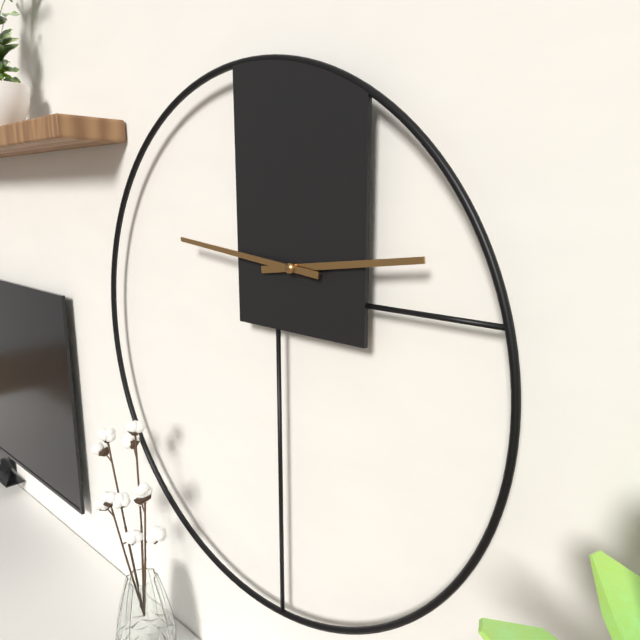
2:46
